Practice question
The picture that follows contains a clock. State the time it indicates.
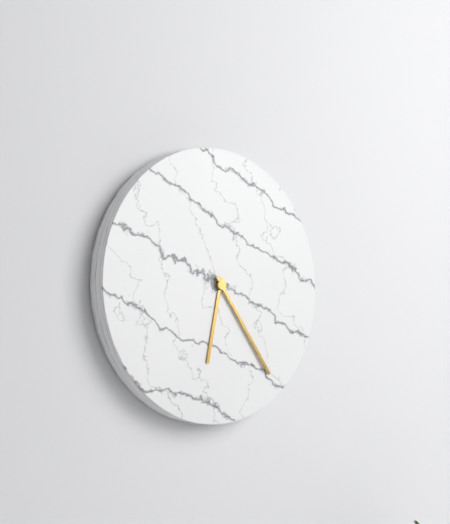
6:24
